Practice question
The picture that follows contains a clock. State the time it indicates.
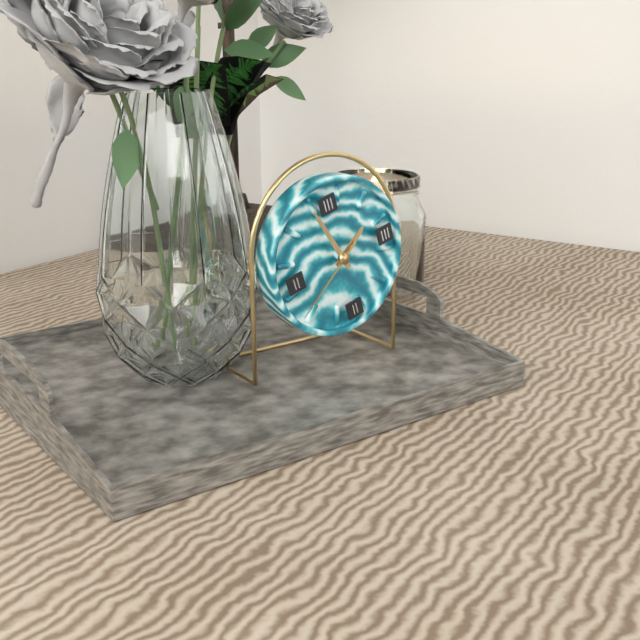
1:57:40
